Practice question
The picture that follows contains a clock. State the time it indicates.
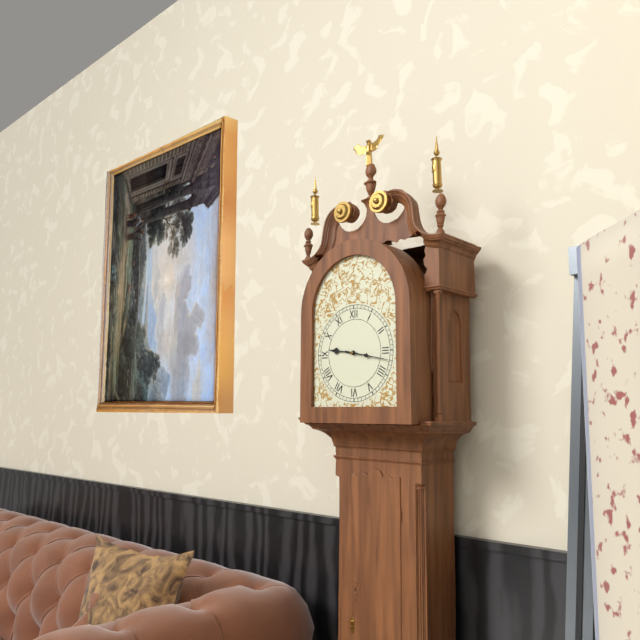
9:17
